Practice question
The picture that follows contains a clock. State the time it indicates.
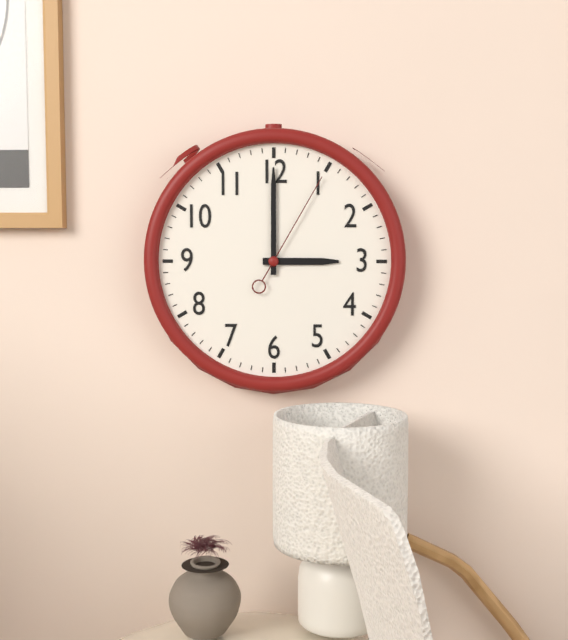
3:00:05
